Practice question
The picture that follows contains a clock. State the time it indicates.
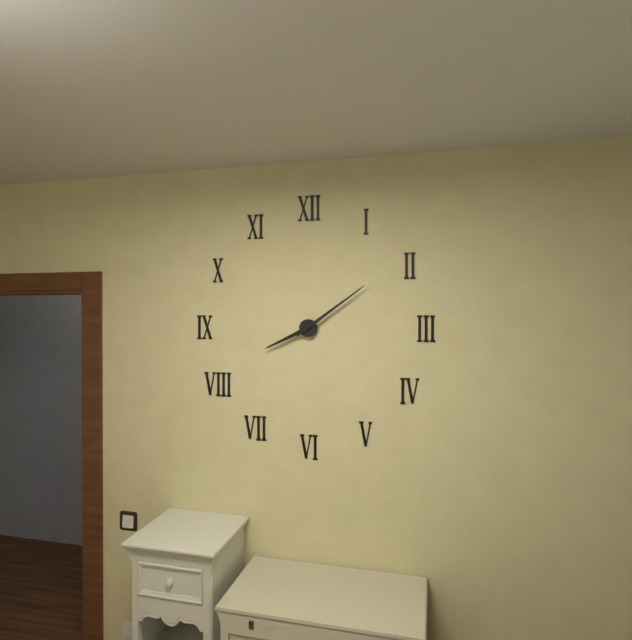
8:09
